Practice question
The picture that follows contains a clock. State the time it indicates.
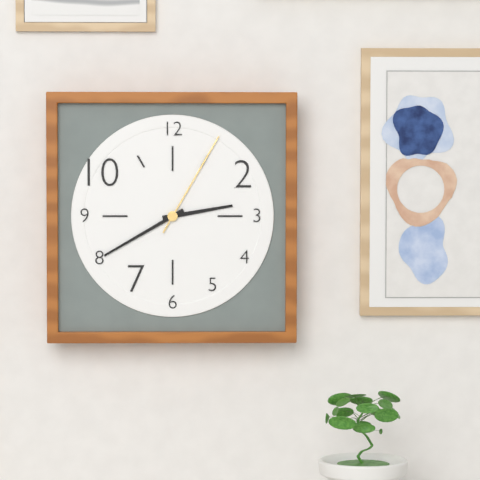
2:40:05
